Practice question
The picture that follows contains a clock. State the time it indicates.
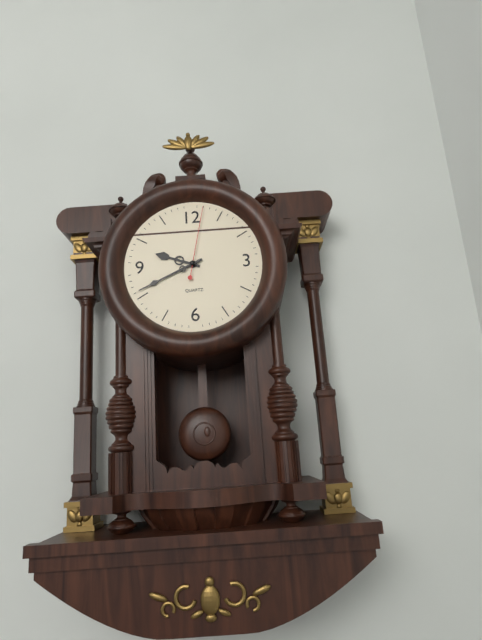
9:41:02
